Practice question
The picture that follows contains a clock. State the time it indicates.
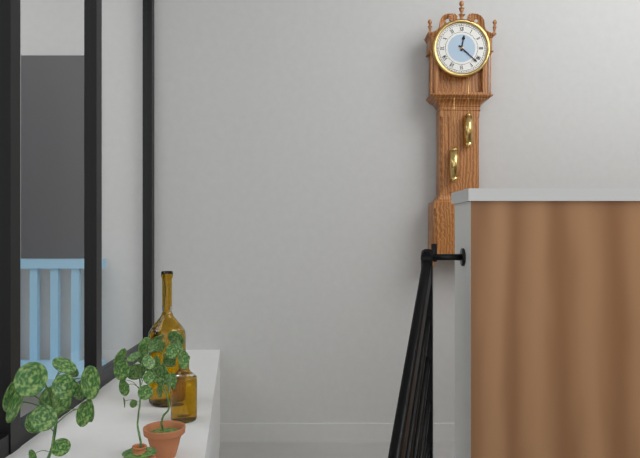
12:22
